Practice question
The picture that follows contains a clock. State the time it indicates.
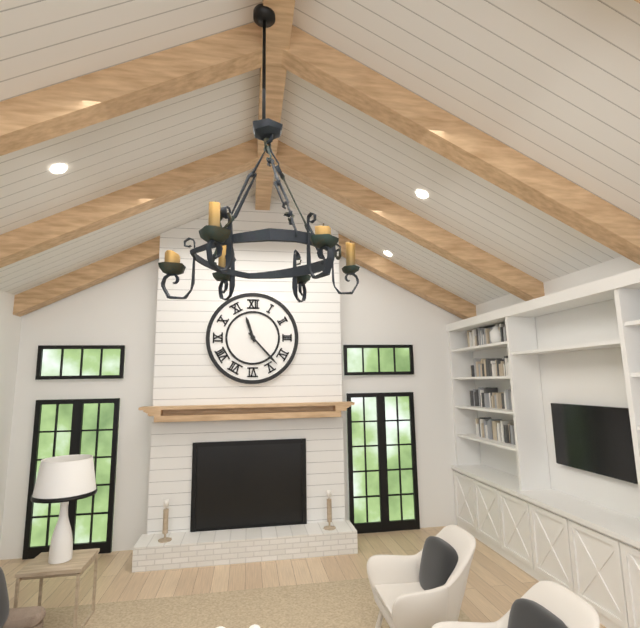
11:23
